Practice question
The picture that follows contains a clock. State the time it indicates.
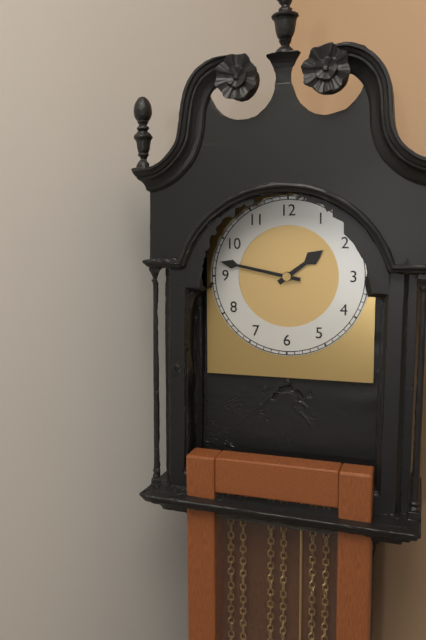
1:47
